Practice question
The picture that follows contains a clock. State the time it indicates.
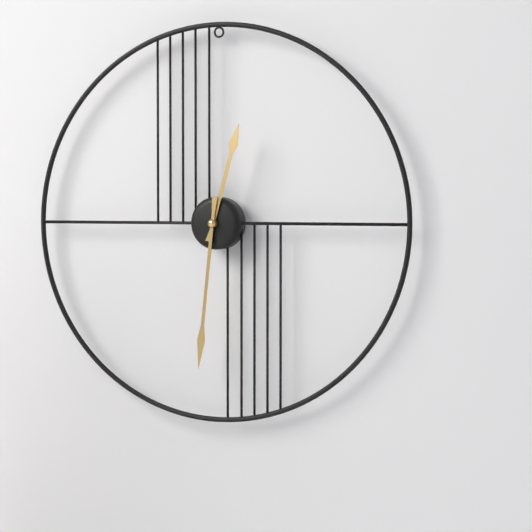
12:31
